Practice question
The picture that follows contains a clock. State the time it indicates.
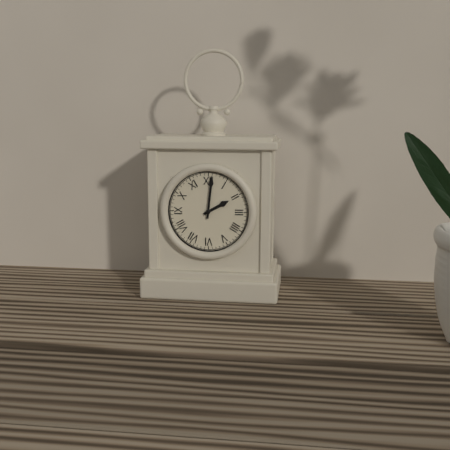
2:01
